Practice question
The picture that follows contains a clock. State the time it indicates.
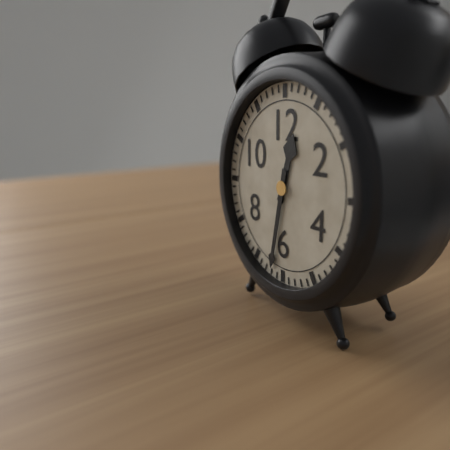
12:32
